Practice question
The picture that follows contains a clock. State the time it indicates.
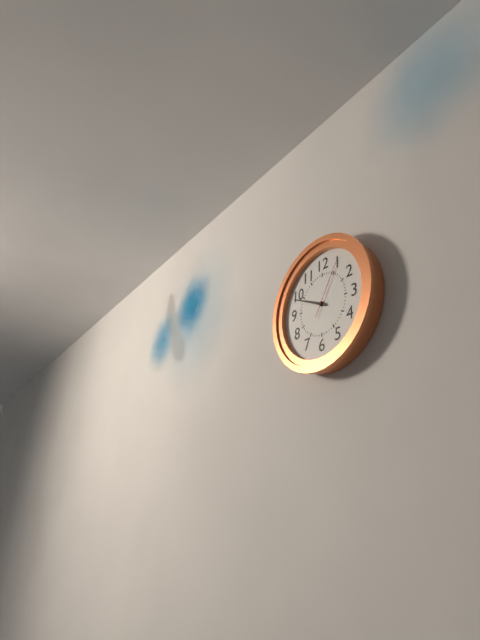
9:49:05
